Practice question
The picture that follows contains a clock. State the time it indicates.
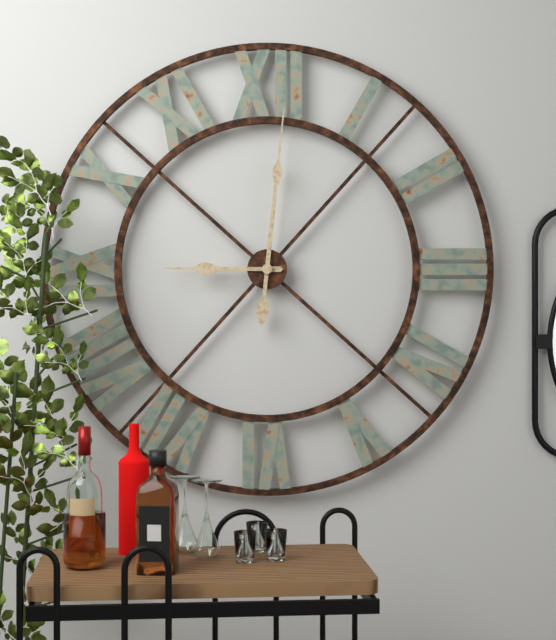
9:01
